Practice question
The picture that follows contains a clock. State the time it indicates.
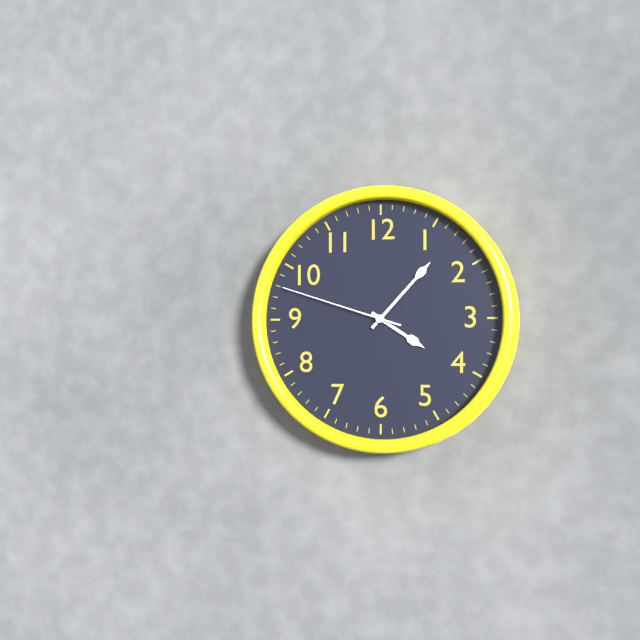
4:07:48
